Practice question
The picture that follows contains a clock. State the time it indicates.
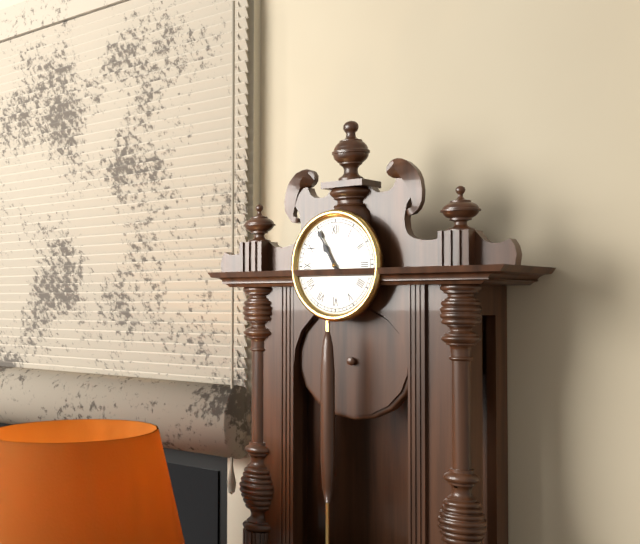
10:55
